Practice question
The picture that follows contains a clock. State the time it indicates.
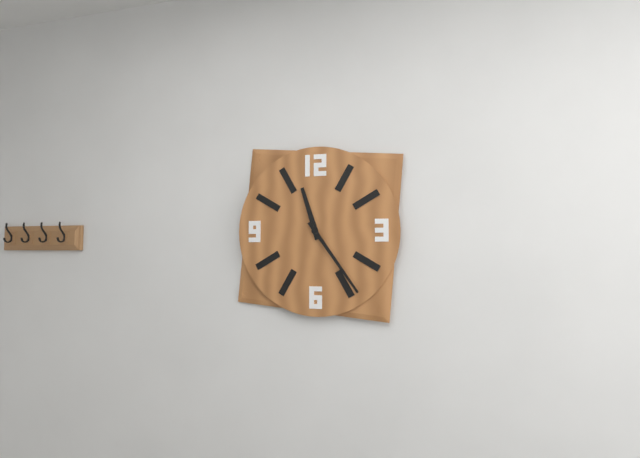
11:24
